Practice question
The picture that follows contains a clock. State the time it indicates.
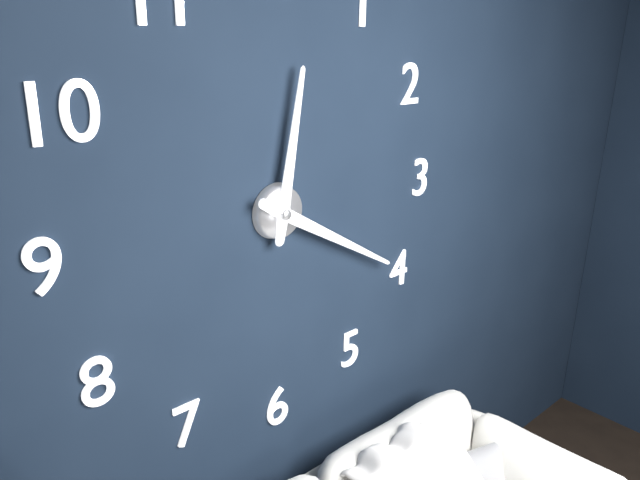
12:20
